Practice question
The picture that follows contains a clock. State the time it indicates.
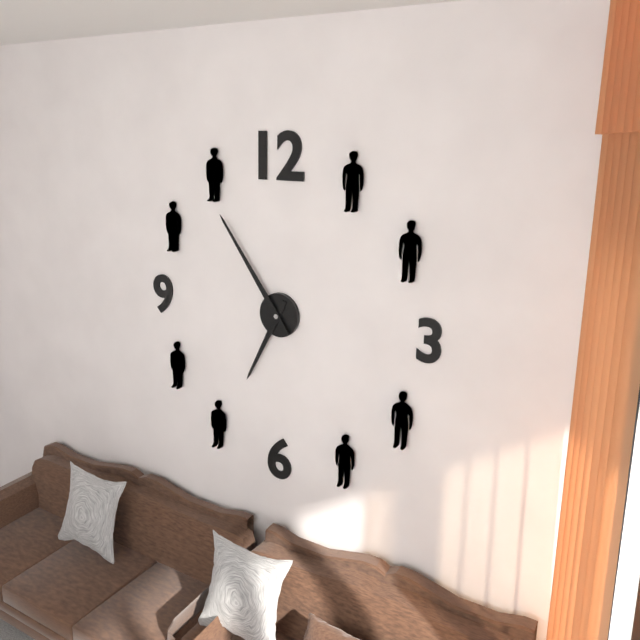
6:54
